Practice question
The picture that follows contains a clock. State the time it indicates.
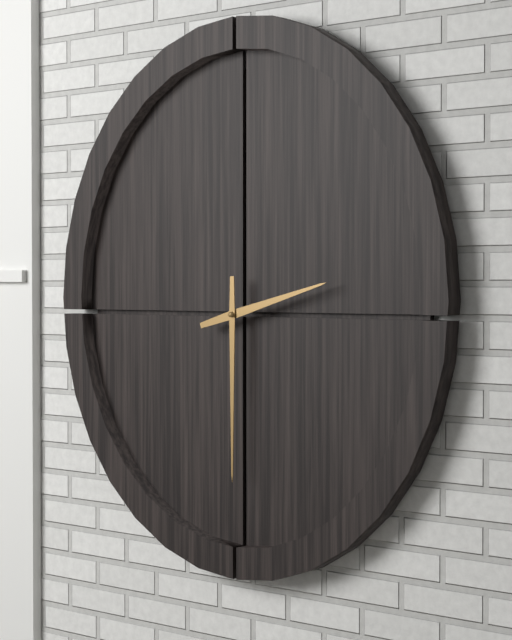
2:30
